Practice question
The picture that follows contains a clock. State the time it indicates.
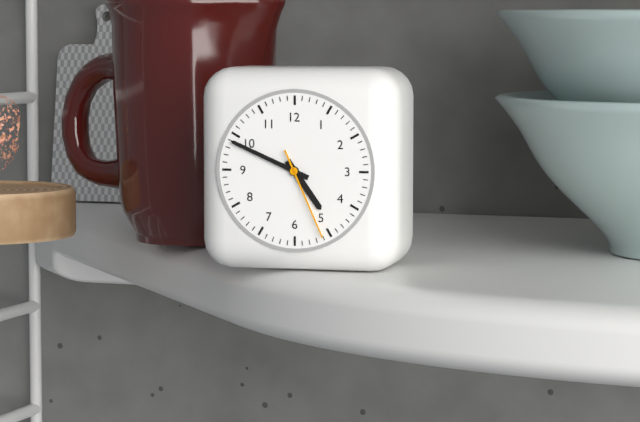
4:49:26
